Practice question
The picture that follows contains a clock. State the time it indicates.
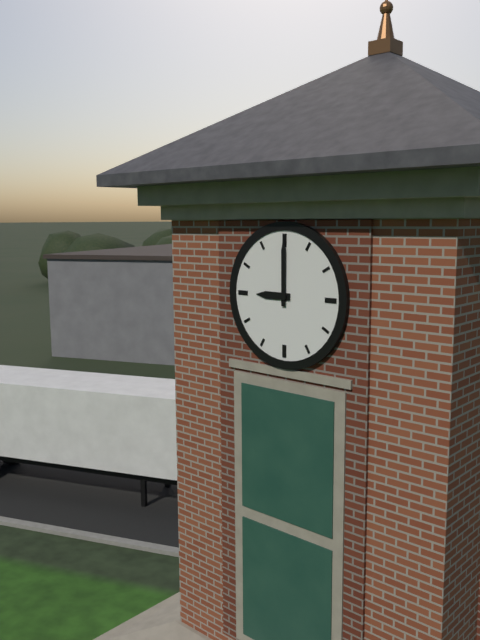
9:00
